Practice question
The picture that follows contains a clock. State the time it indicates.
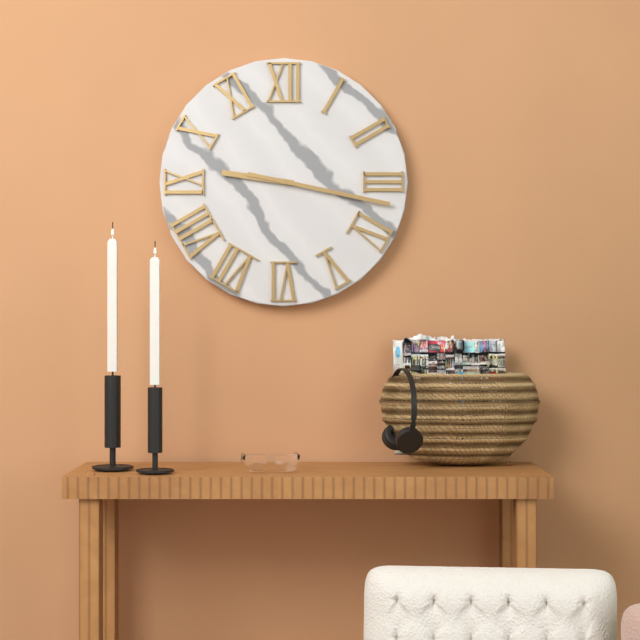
9:17
